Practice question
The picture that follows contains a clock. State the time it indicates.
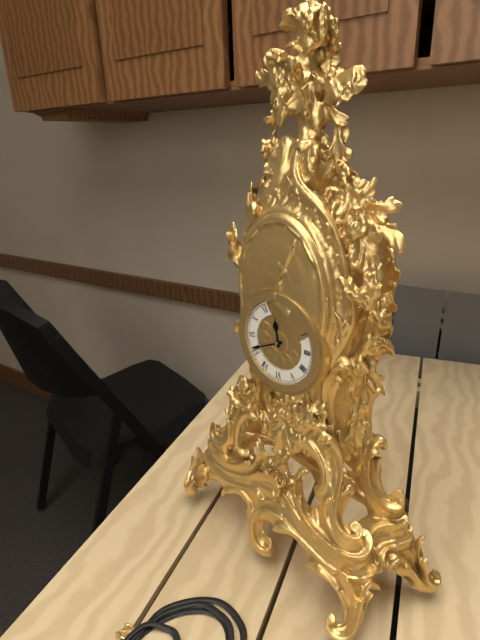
11:41
